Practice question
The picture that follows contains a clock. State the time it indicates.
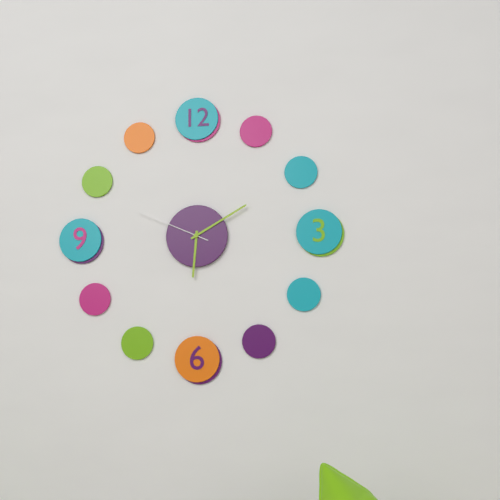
6:10:49
